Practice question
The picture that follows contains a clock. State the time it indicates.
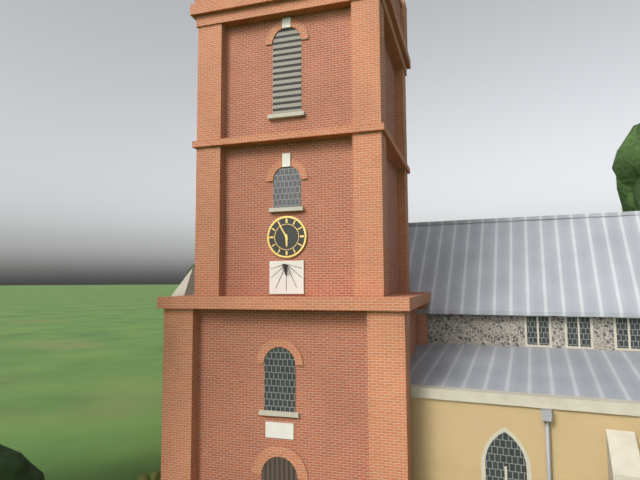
5:55
